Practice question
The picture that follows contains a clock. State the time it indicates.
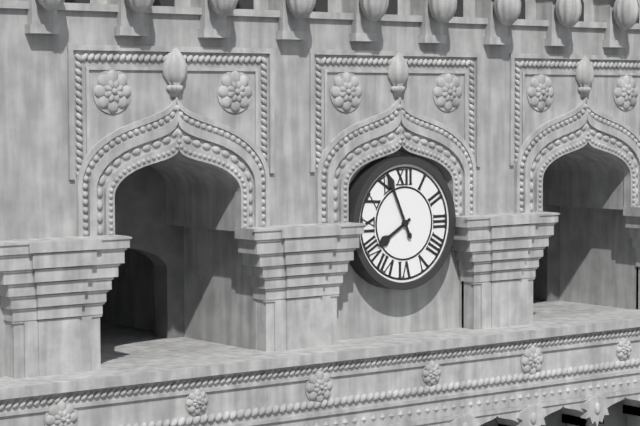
7:56
